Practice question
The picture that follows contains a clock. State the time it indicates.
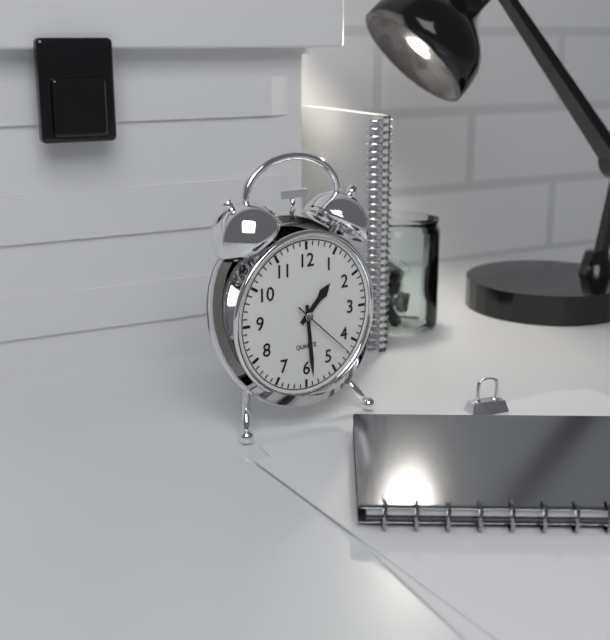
1:29:22
